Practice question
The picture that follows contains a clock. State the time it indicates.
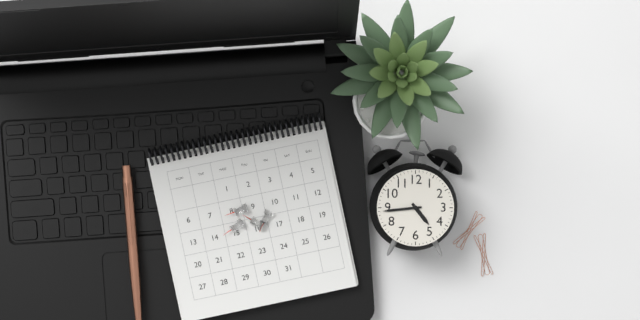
4:44
